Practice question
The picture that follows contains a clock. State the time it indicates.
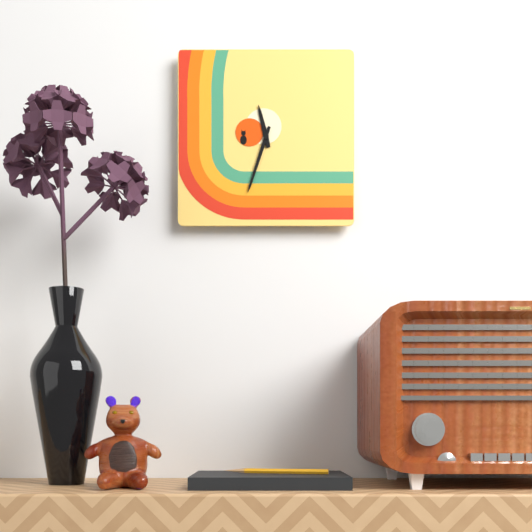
11:33
